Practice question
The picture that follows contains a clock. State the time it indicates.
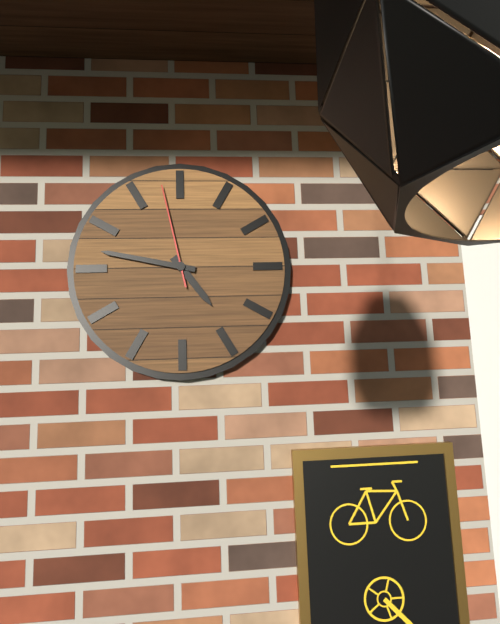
4:47:58
